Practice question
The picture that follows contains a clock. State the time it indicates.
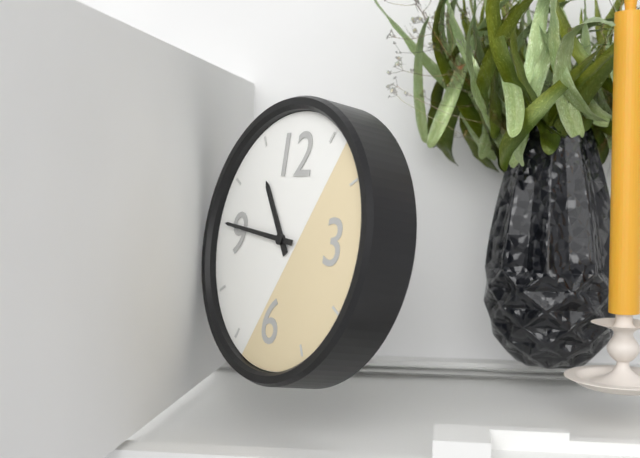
10:46
